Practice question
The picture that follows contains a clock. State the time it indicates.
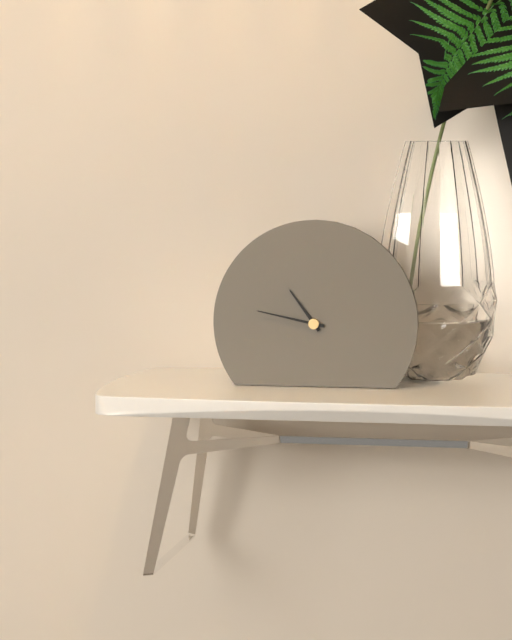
10:47
